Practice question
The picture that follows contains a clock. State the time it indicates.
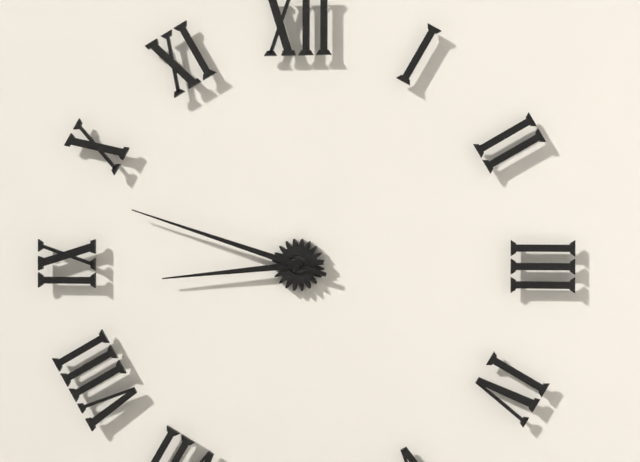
8:48
